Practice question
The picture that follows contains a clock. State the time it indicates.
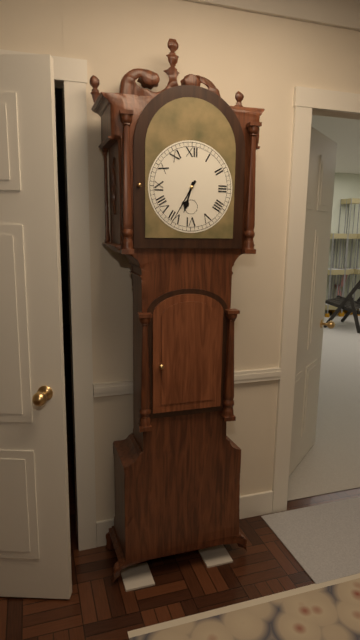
6:35
